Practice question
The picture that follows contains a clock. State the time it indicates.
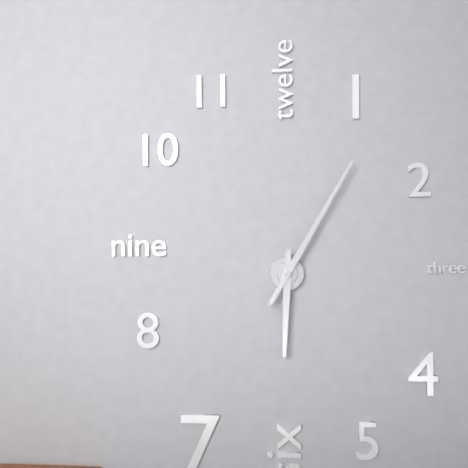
6:05
